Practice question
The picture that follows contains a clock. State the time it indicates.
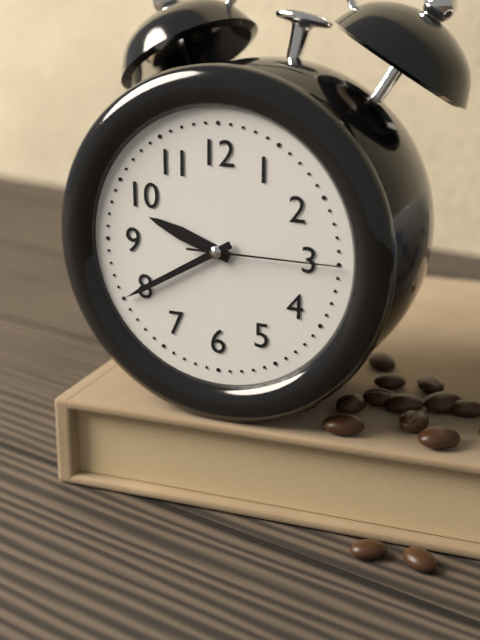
9:40:15
